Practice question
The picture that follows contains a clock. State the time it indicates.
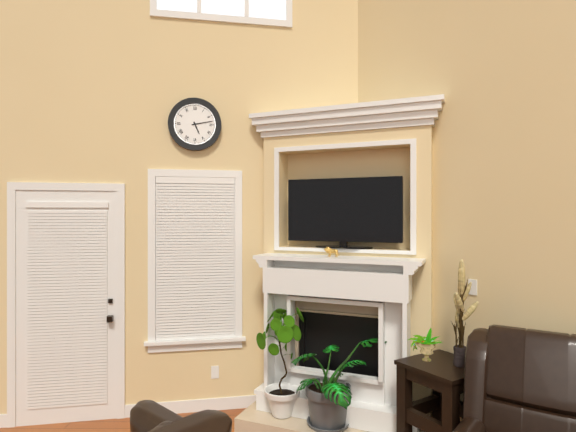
5:13
